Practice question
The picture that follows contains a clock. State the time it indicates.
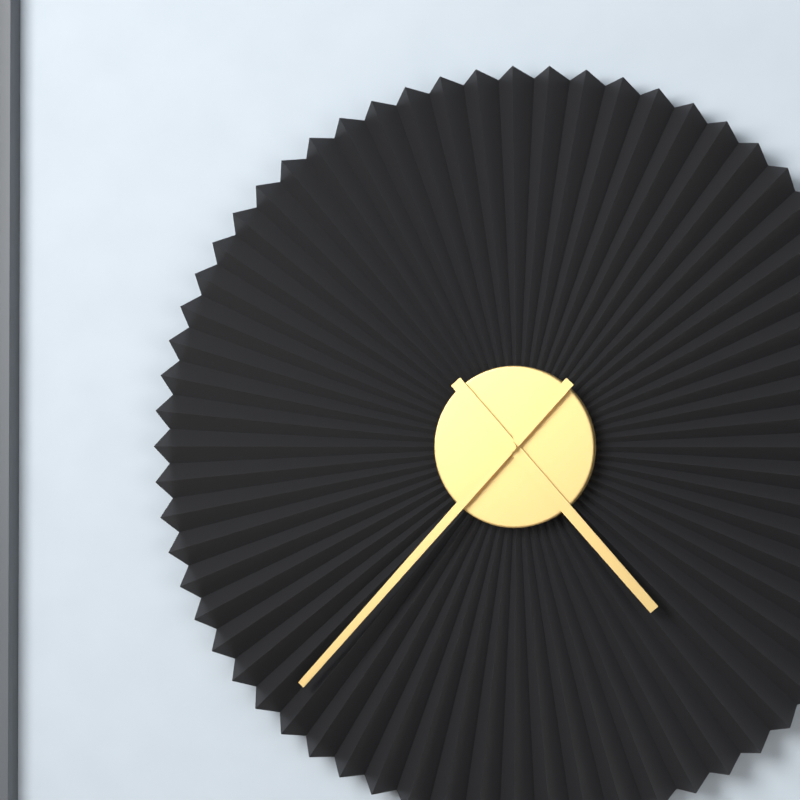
4:37
